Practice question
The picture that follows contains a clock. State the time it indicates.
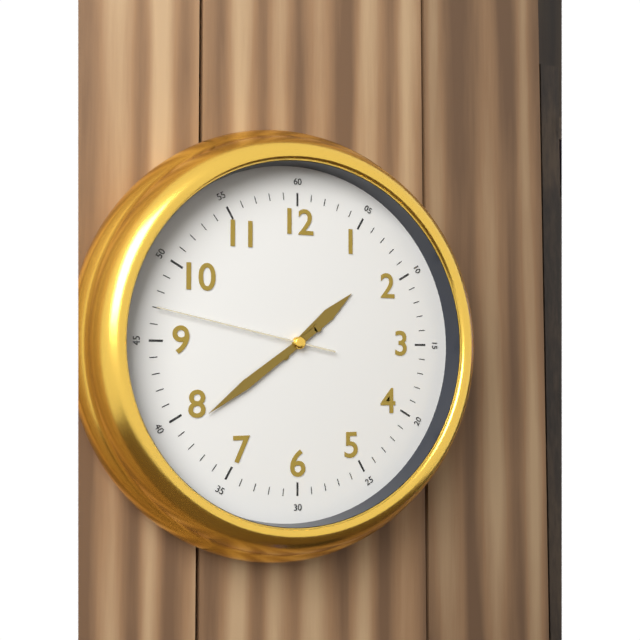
1:39:47
